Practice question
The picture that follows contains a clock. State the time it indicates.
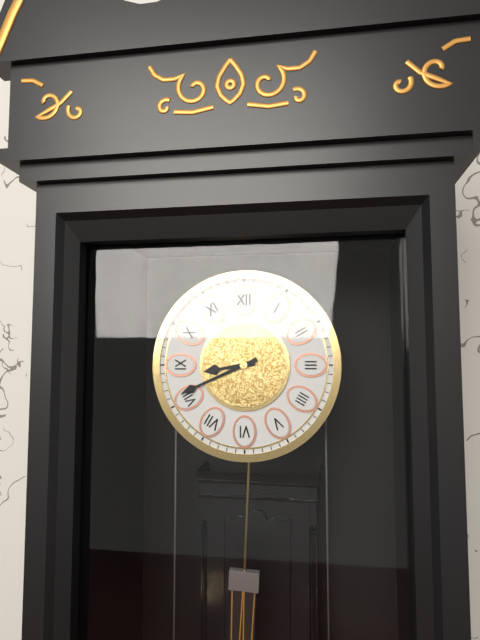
8:41
